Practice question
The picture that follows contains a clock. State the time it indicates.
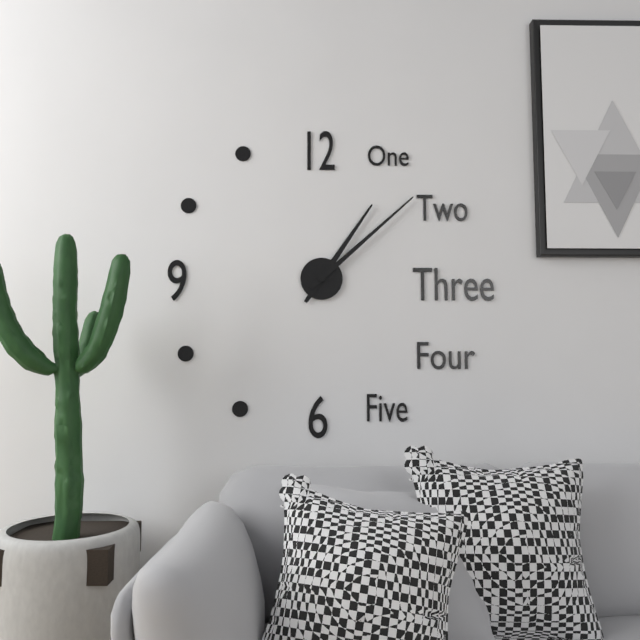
1:08
